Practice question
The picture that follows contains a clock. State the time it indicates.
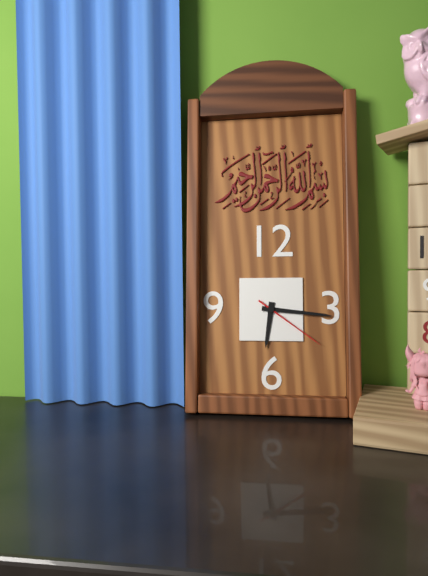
6:16:21
